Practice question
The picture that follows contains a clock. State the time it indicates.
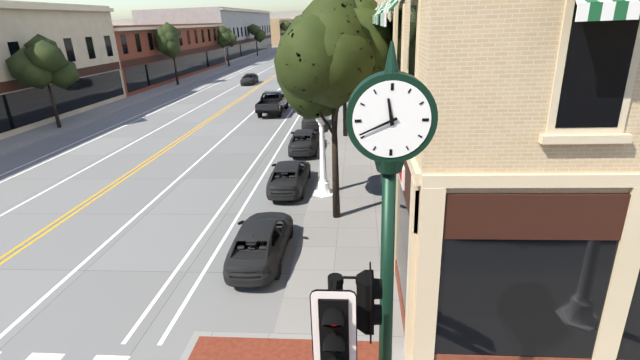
11:41
